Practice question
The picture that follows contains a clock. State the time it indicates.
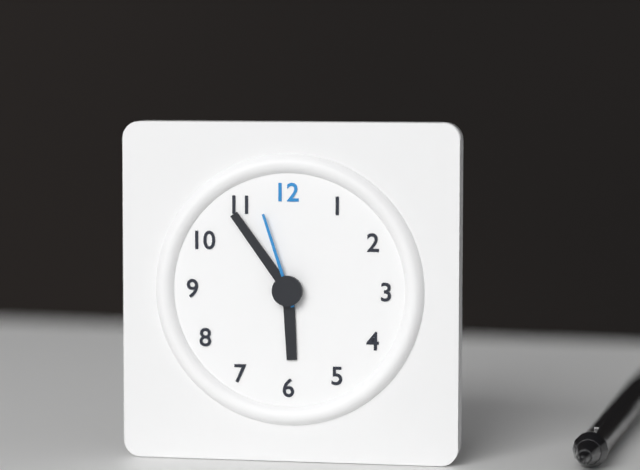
5:54:57
